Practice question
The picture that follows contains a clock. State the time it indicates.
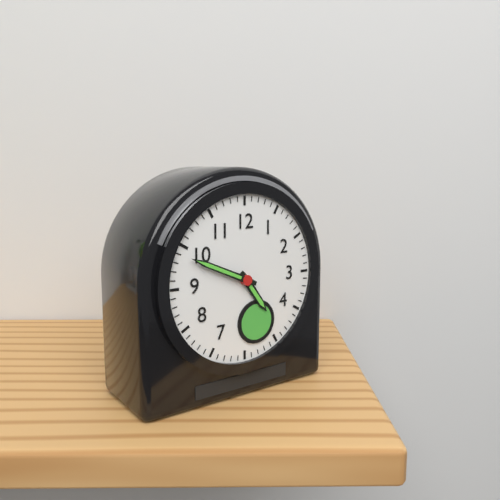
4:49
